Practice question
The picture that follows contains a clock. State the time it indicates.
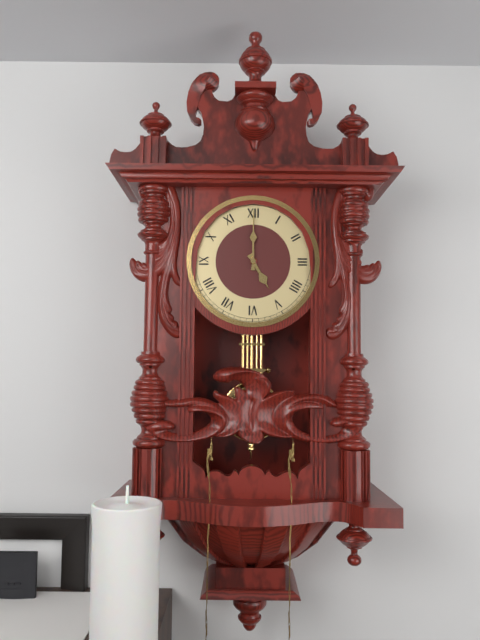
5:00
